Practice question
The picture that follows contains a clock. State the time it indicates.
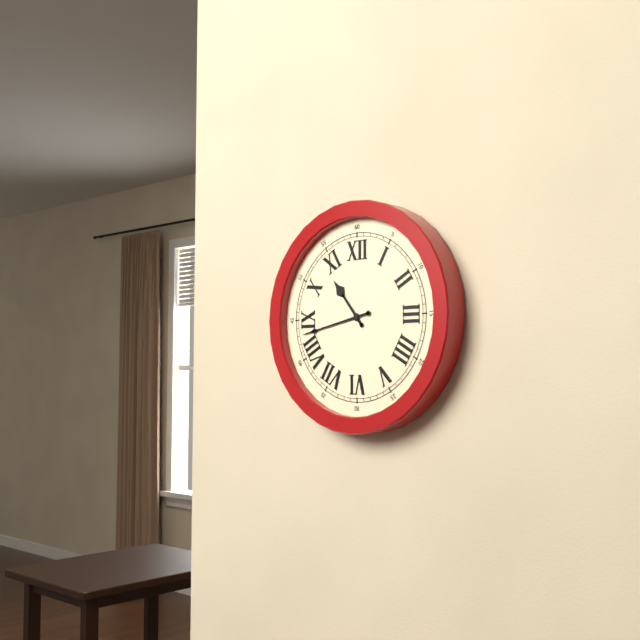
10:43
